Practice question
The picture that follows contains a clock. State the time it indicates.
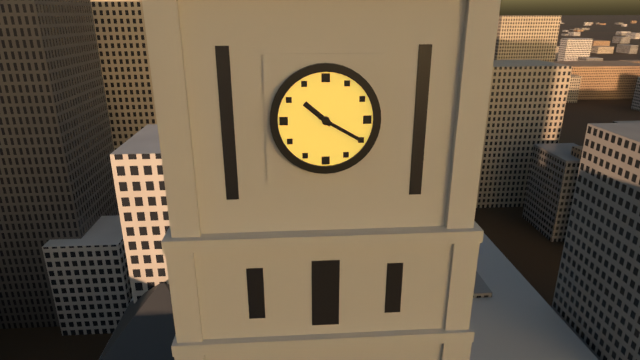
10:20
